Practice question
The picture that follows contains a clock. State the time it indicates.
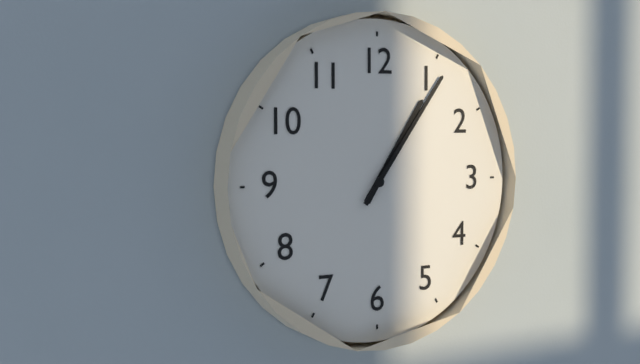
1:06
